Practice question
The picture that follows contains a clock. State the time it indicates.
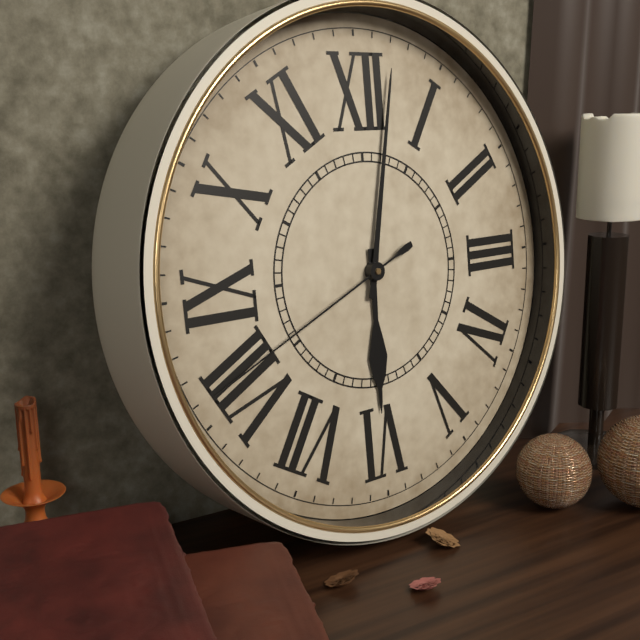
6:02:41
